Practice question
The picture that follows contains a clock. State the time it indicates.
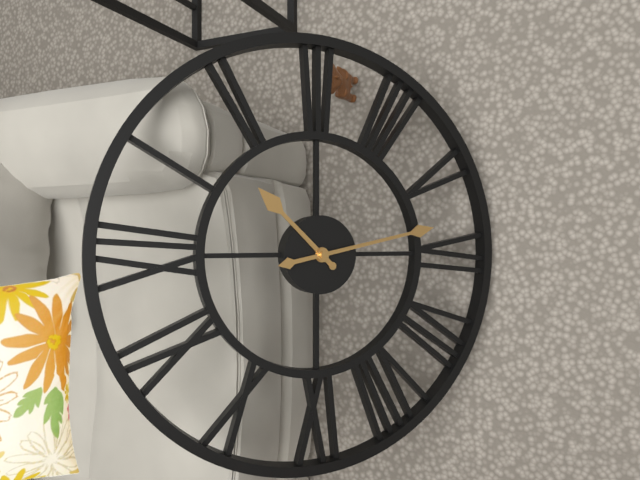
1:28
